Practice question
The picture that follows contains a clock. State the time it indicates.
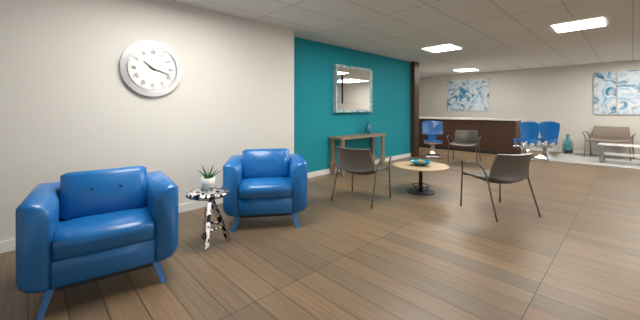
10:18
